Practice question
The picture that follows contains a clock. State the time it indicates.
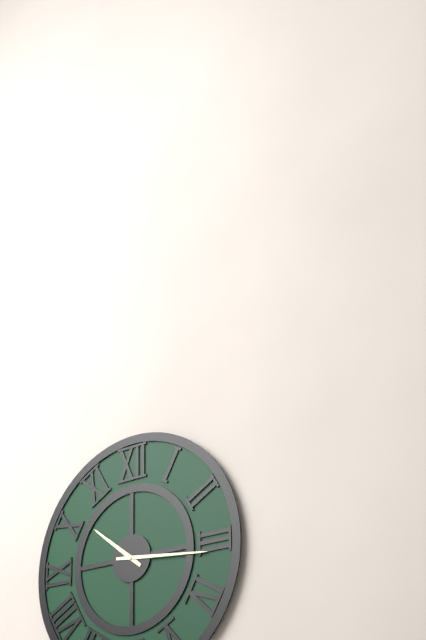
10:16
